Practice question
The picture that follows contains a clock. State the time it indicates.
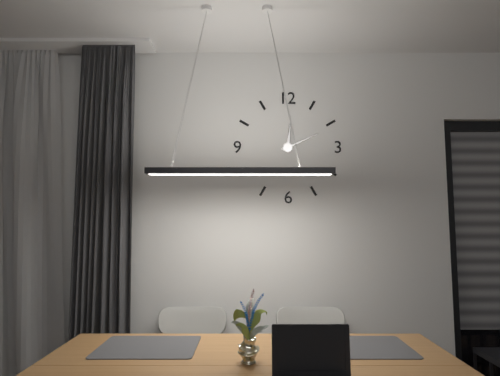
12:11
